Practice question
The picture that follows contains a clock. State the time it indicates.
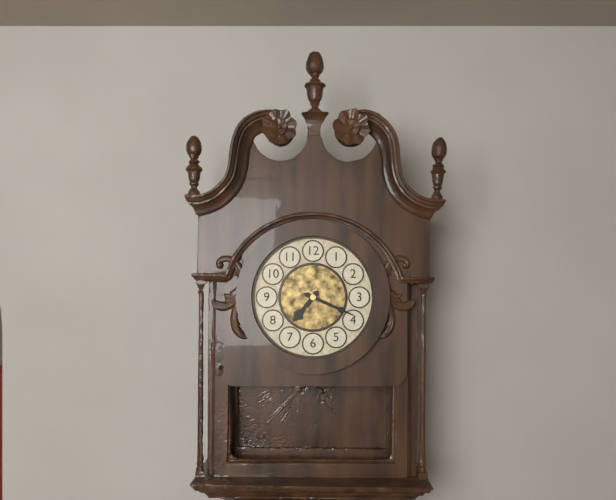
7:19
